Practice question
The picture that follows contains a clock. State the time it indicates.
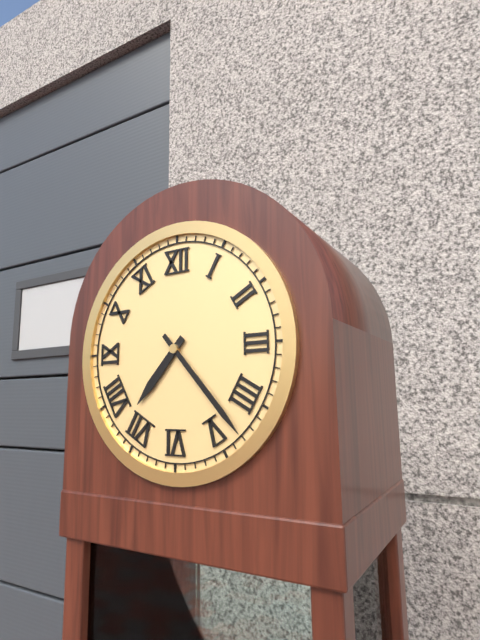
7:23
